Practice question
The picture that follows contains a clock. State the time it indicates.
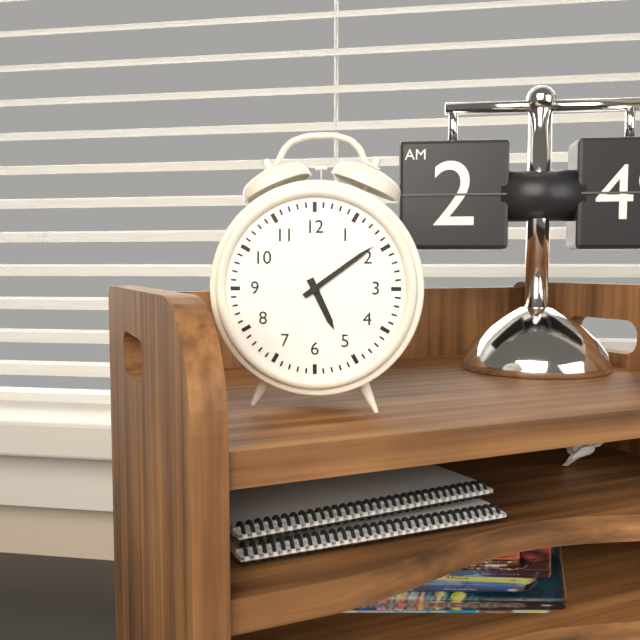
5:09
